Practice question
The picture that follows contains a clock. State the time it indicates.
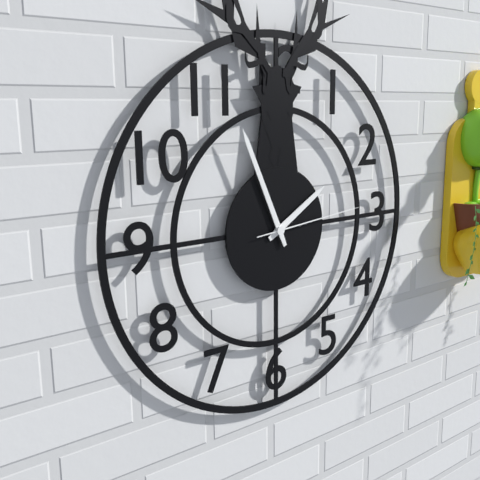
1:56:14
